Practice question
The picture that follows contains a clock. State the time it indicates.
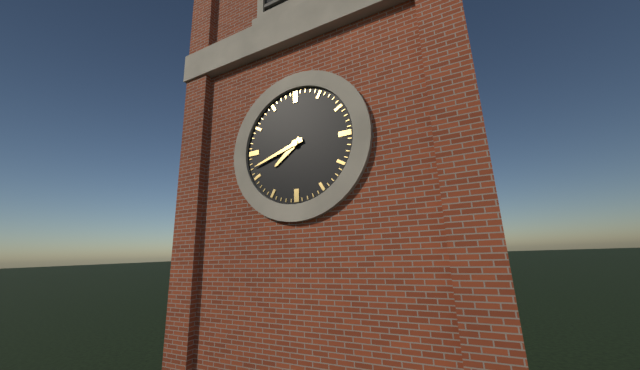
7:42
